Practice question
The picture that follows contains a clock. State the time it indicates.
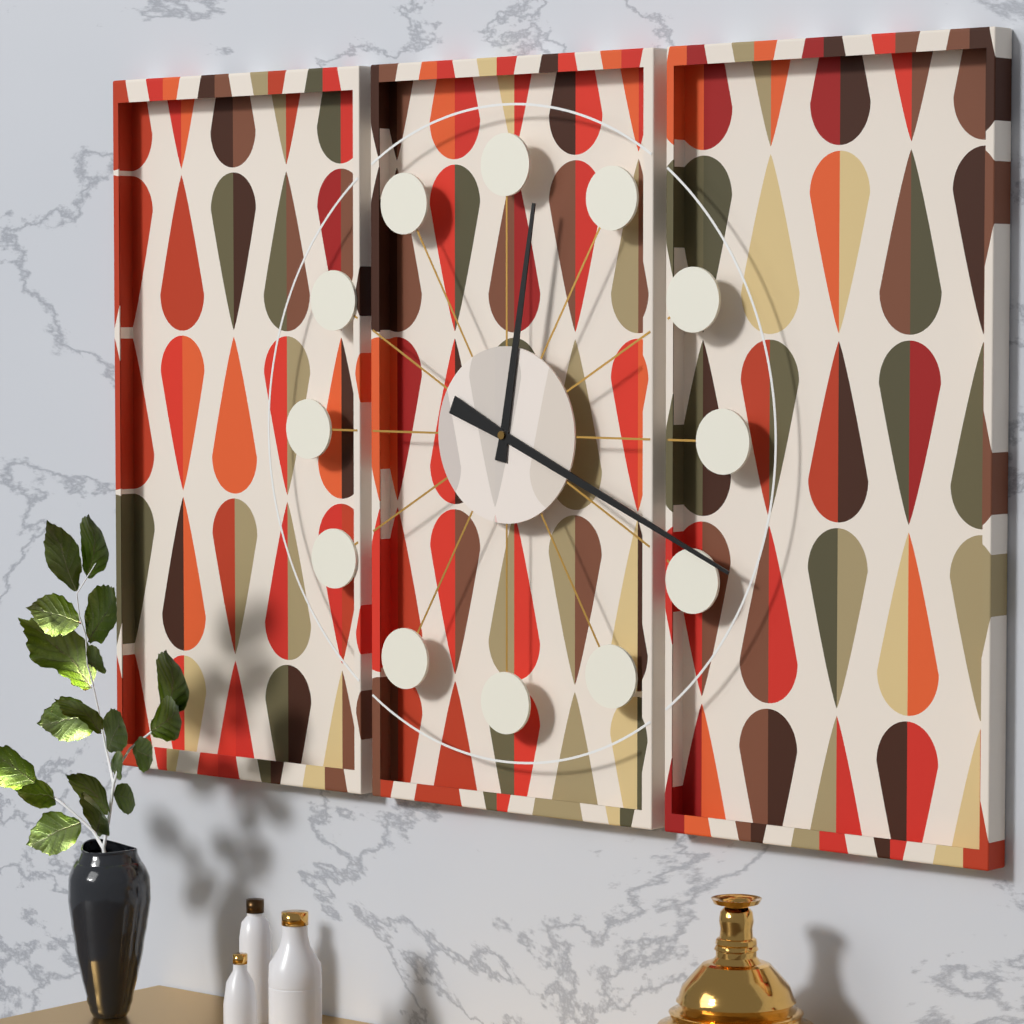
12:19
